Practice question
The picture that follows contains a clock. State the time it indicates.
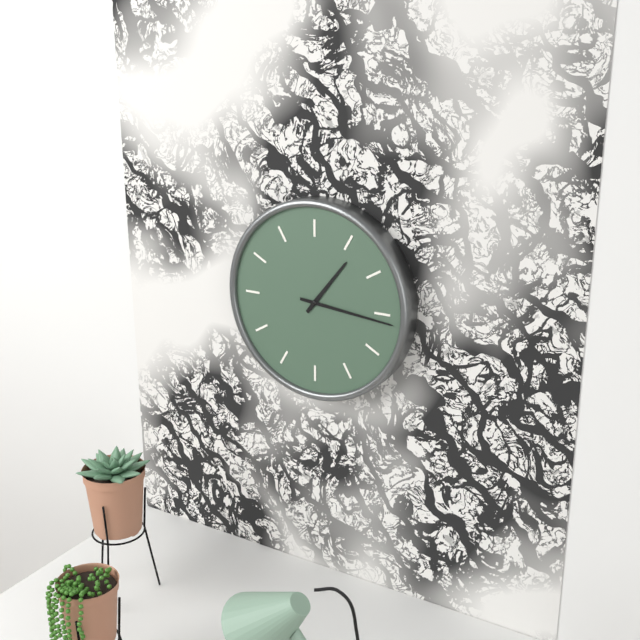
1:16
